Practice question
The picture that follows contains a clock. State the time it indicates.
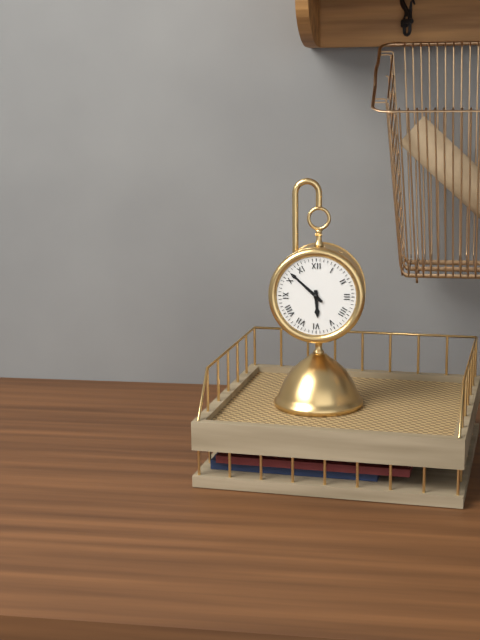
5:52
